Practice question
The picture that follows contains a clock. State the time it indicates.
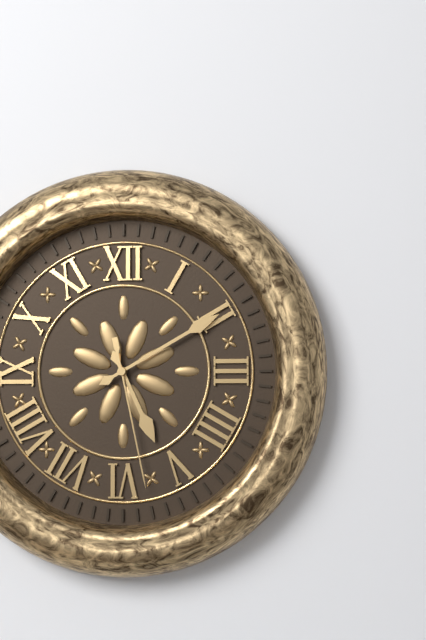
5:10:28
